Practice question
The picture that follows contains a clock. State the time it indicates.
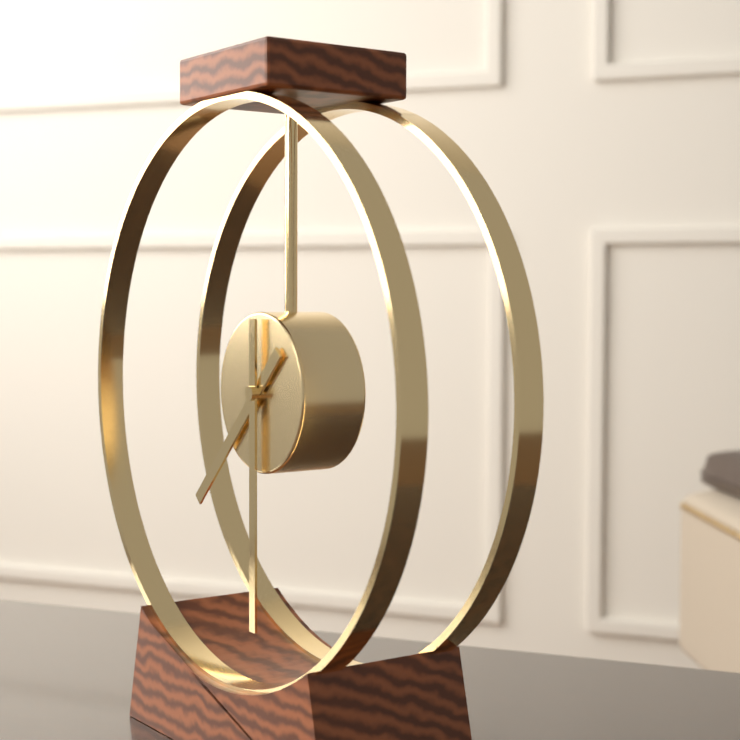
7:30
